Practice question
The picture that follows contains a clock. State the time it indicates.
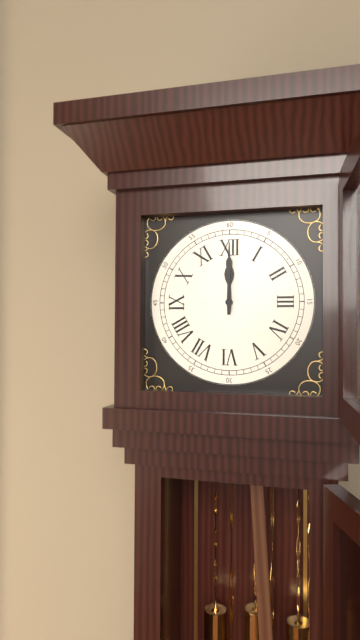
12:00
